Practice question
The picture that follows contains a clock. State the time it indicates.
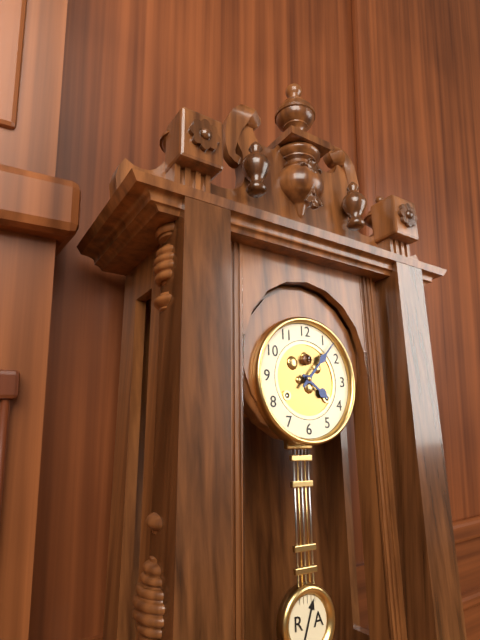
4:07
